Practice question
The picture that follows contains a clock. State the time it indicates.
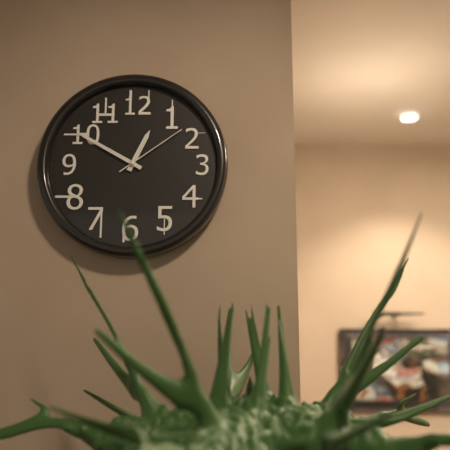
12:50:09
